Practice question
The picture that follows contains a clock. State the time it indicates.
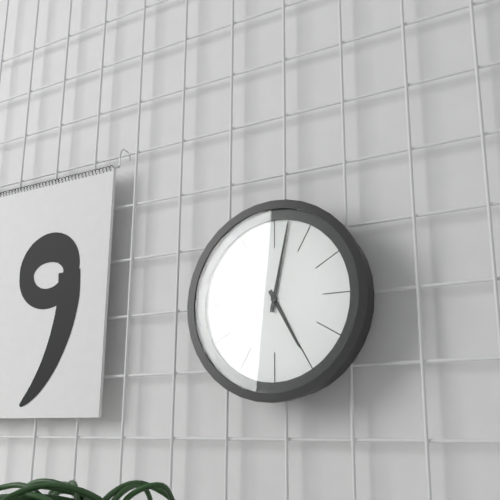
5:02
